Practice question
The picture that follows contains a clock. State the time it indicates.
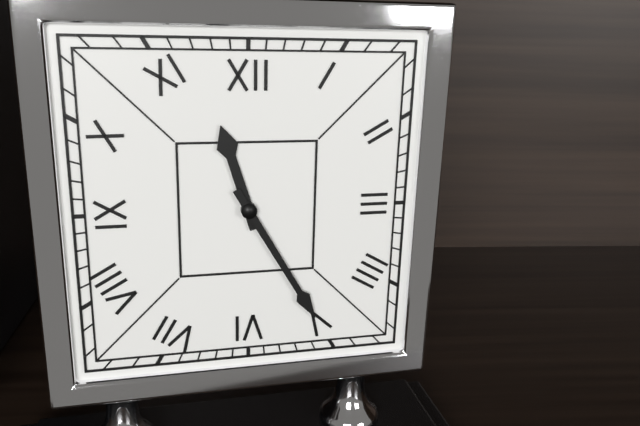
11:25
